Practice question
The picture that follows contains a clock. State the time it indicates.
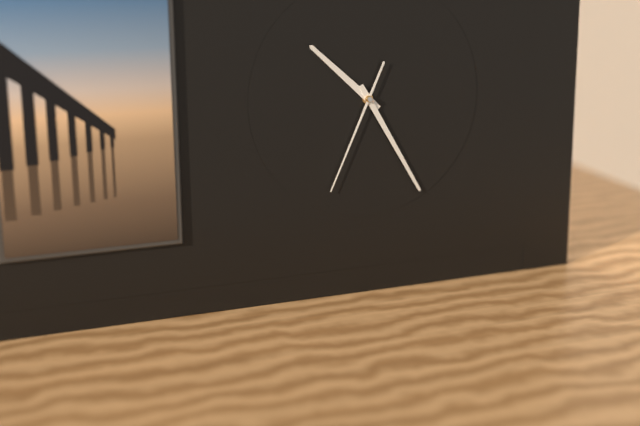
10:25:34
